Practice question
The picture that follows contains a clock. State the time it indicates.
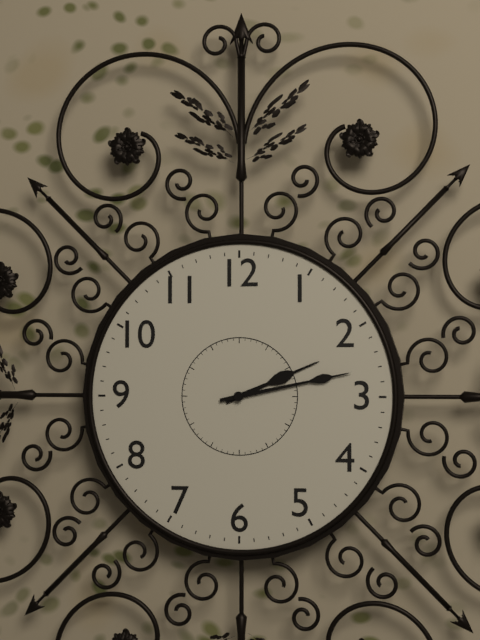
2:13
